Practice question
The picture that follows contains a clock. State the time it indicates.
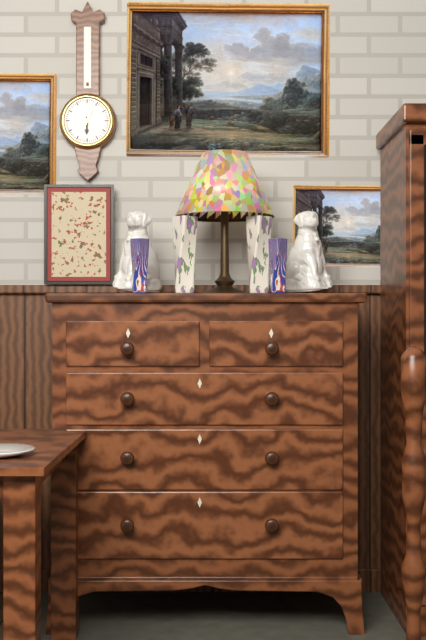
6:04
